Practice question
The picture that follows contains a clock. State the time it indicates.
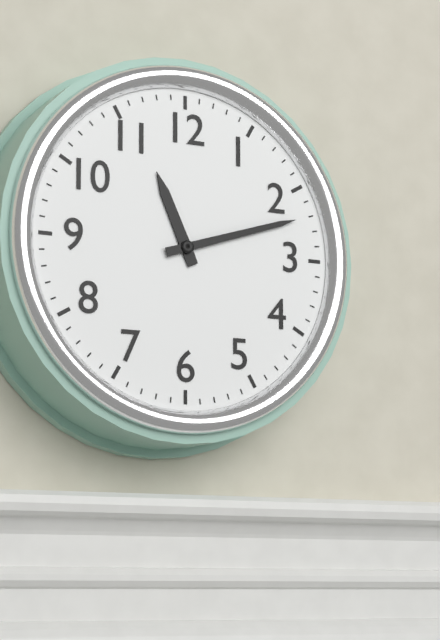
11:12
